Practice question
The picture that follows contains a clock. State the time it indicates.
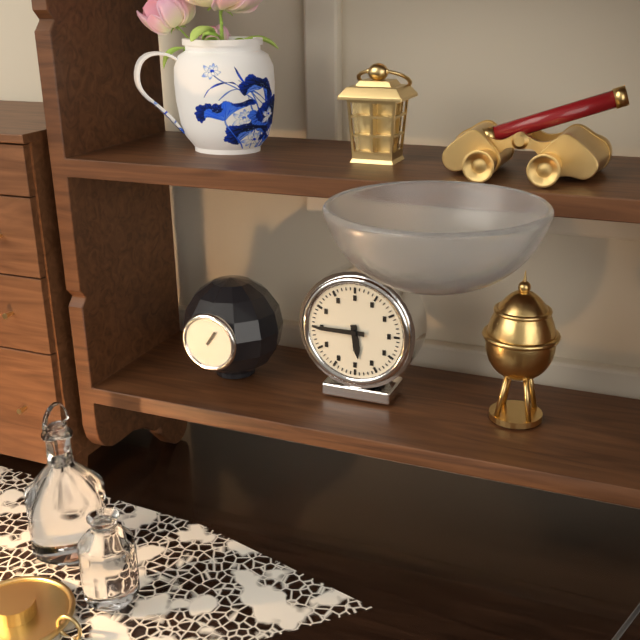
5:45
